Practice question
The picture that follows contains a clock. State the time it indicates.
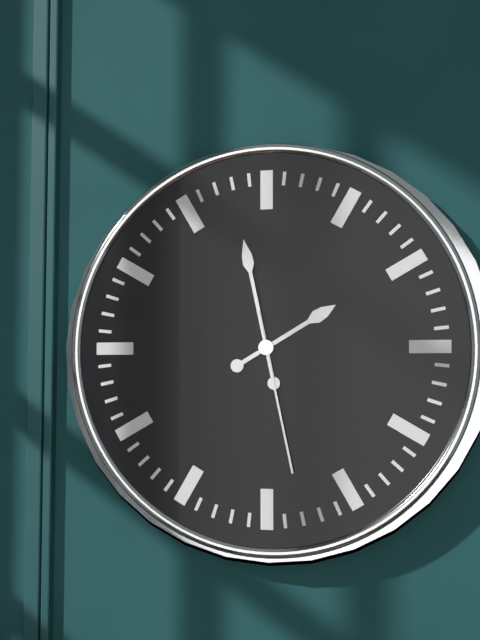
1:58:28
